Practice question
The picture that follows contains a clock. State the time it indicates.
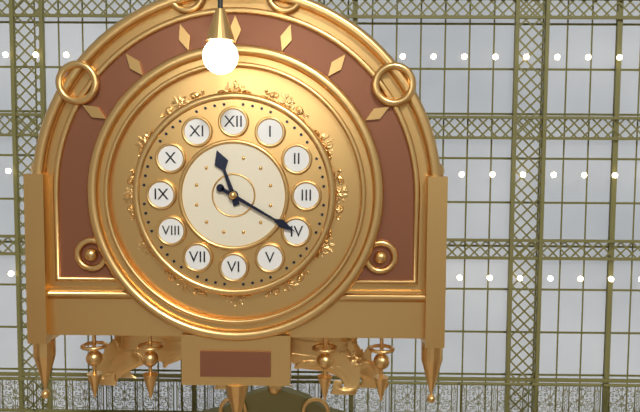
11:20
